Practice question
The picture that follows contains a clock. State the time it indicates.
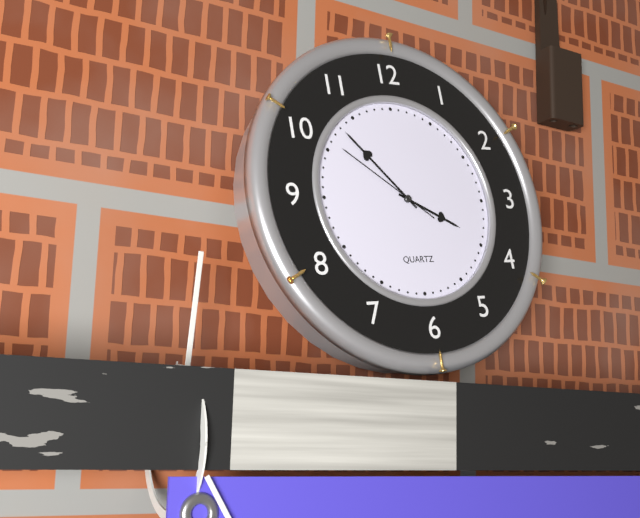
3:53:51
